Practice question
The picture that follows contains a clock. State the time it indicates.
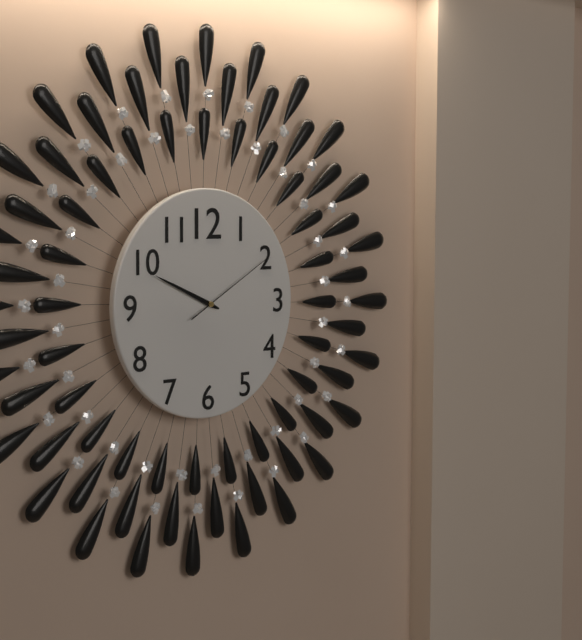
9:49:10
